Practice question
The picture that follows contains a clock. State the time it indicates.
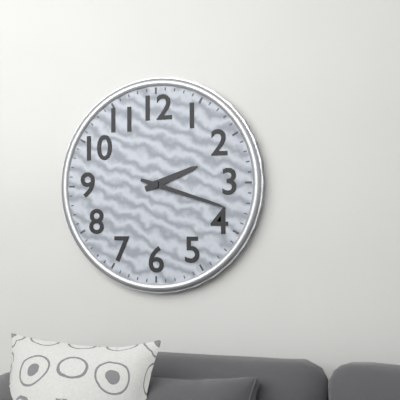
2:18
